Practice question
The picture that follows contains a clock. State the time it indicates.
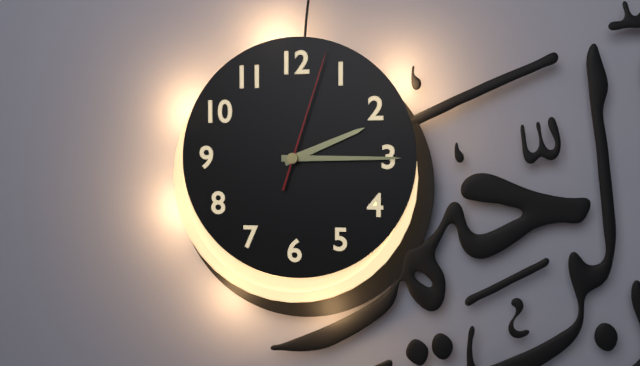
2:15:03
